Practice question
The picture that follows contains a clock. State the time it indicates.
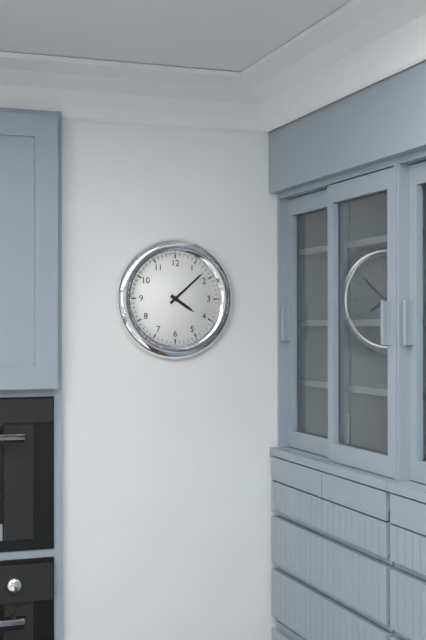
4:08
